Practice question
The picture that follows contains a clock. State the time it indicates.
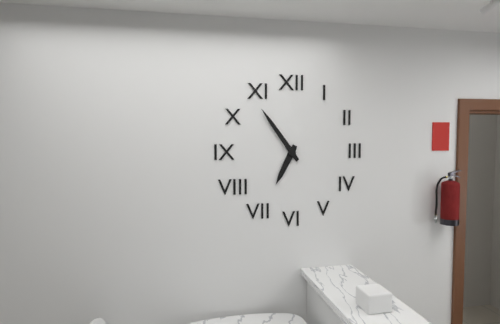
6:54
